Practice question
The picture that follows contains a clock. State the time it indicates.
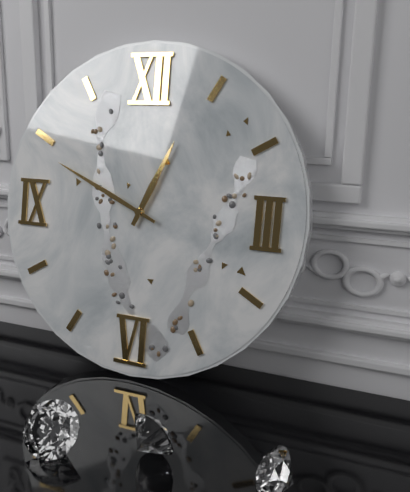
12:49
